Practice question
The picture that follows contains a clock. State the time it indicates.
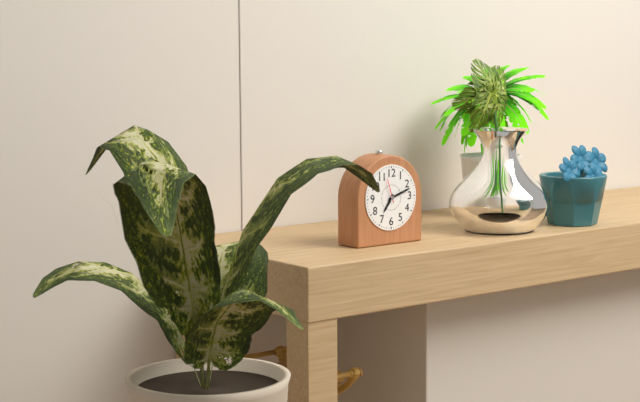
7:12
